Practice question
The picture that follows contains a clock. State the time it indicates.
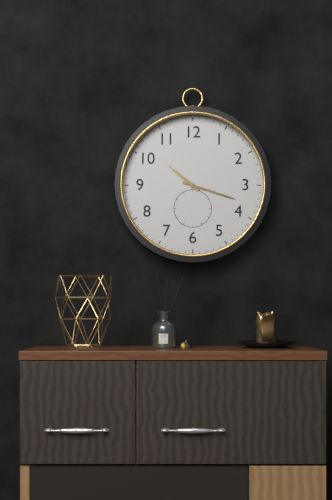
10:18
